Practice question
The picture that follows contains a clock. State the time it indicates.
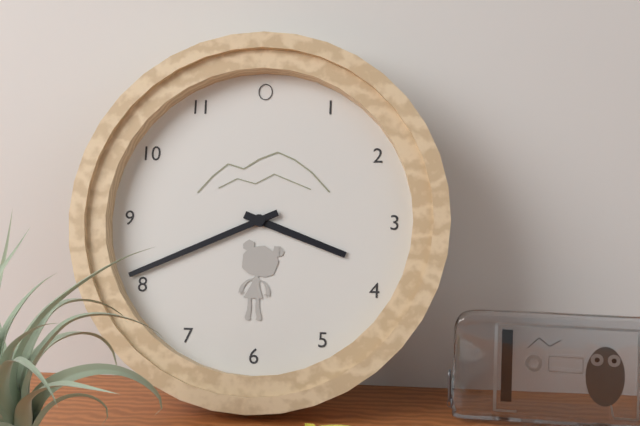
3:41
